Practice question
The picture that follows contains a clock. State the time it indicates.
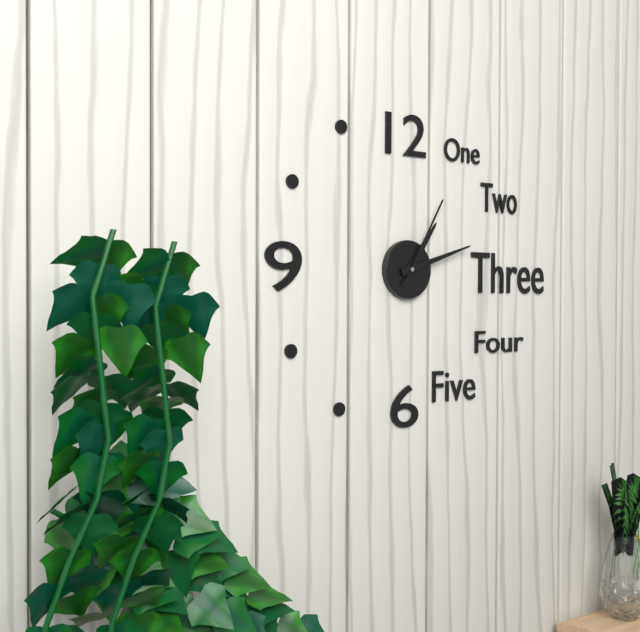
1:12:05
